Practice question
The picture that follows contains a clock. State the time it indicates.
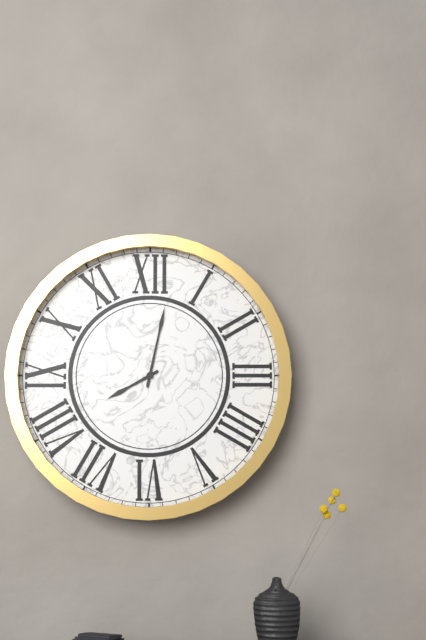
8:02
